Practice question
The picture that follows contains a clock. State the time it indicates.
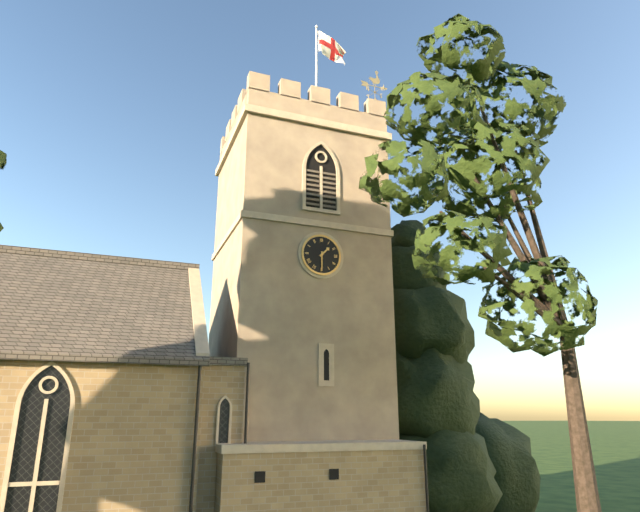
1:30
